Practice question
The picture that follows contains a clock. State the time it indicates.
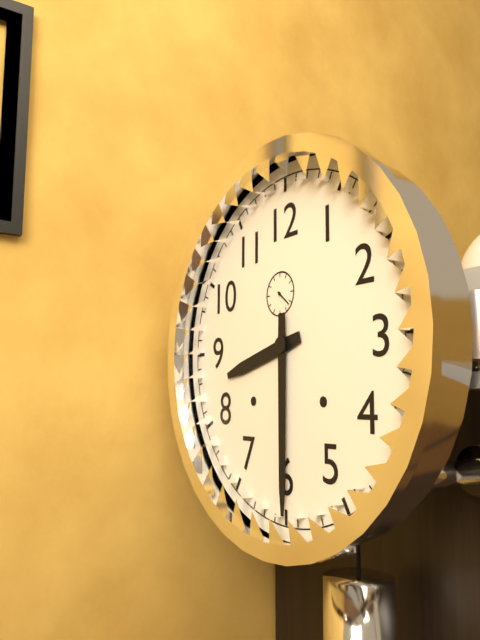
8:30
